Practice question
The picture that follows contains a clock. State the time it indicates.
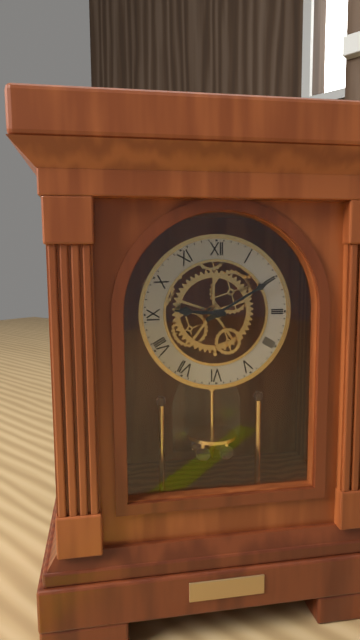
9:10
